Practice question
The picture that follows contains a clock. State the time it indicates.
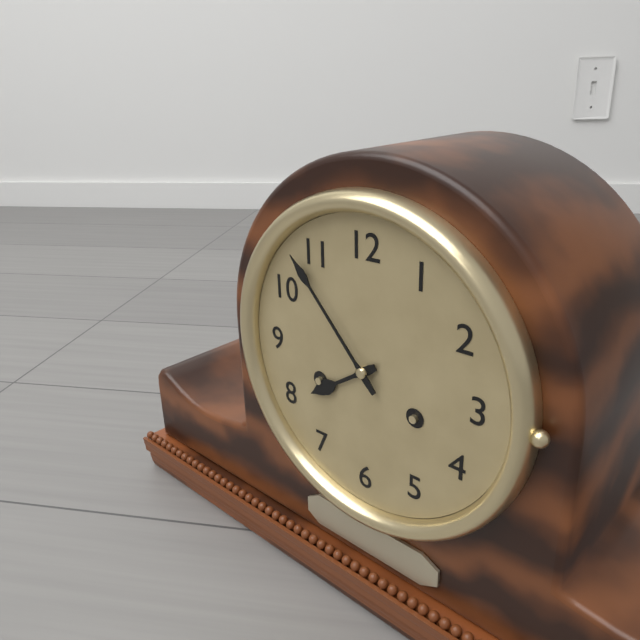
7:53
